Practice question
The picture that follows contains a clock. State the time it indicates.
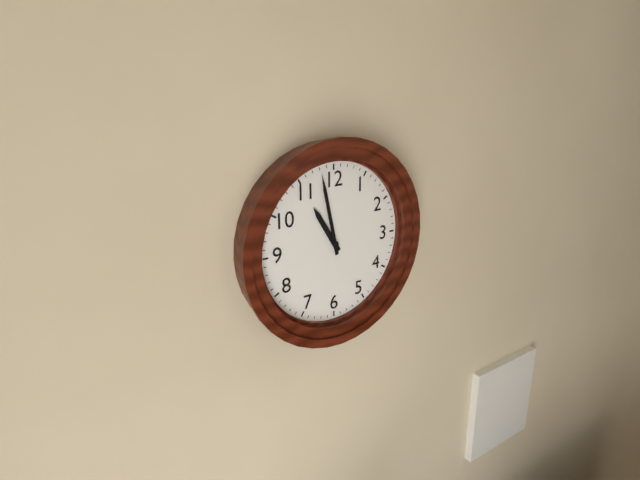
10:58
